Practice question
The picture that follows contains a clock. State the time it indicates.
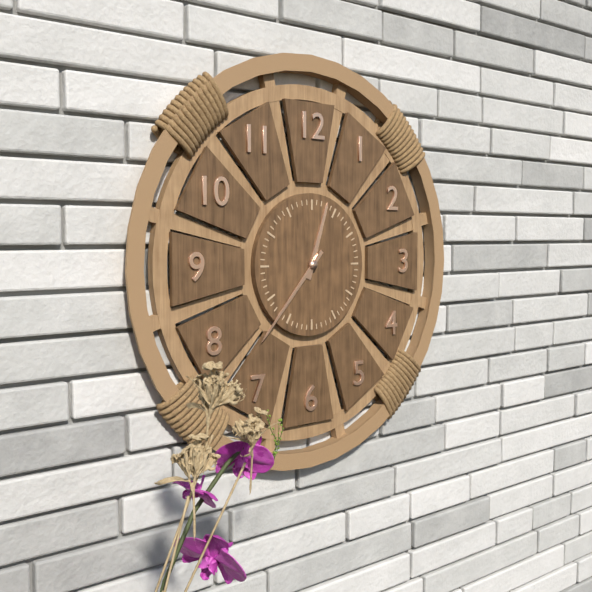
12:37
